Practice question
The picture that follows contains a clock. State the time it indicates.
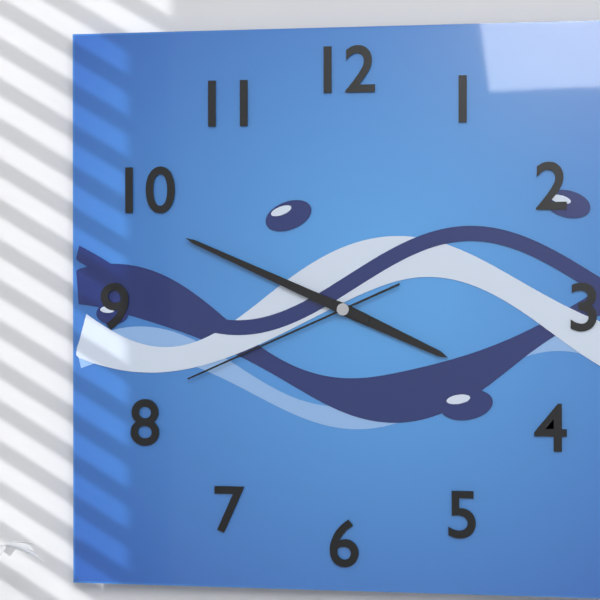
3:49:41
